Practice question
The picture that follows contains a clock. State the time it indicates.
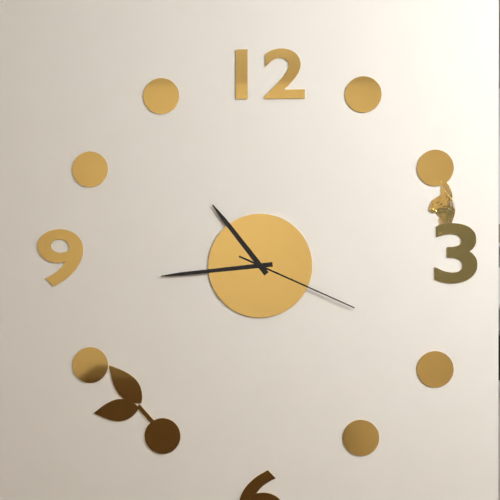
10:44:19
